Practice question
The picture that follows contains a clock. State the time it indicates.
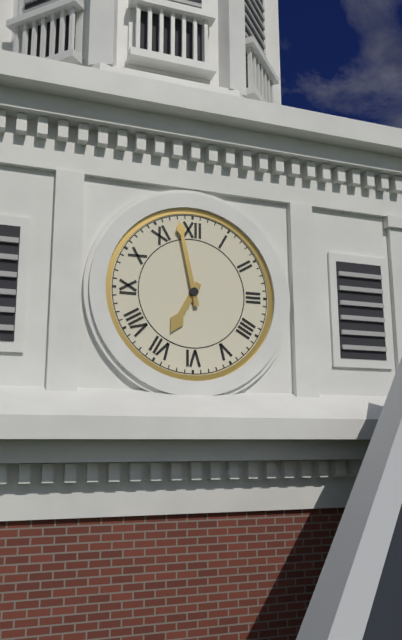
6:58
